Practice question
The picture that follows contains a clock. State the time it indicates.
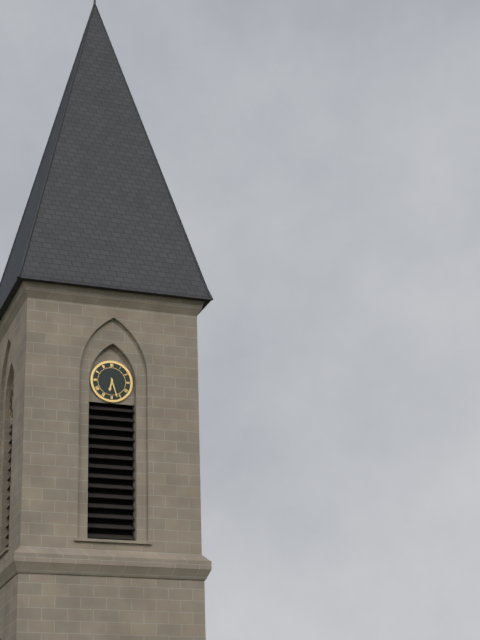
6:27
